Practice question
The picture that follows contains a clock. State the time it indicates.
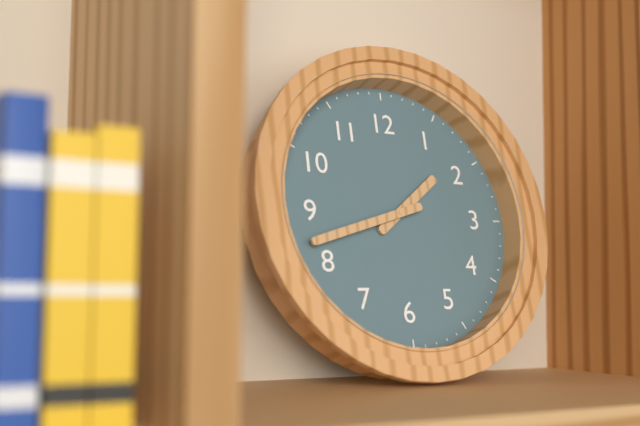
1:42
